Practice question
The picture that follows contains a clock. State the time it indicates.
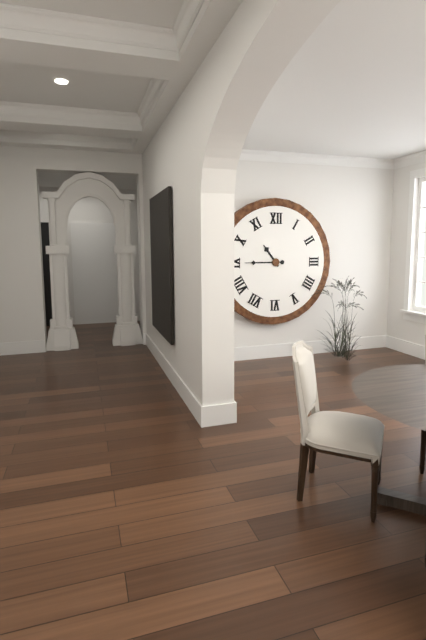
10:45
